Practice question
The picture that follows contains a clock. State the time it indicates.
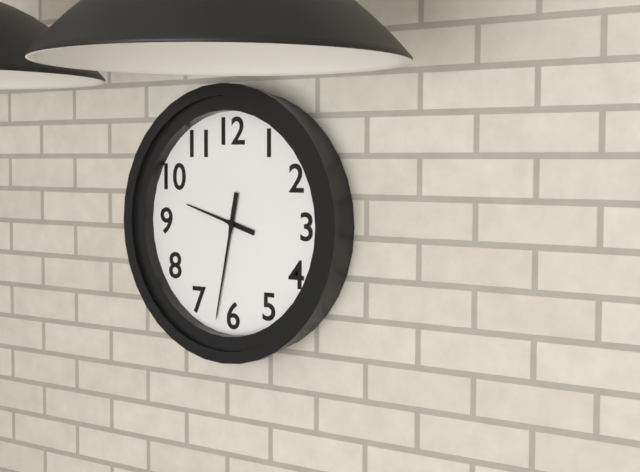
9:32
